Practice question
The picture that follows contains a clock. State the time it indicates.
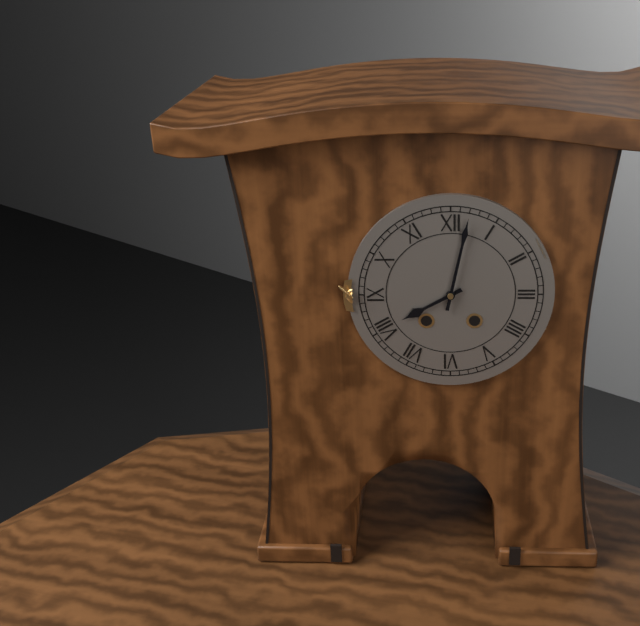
8:02
